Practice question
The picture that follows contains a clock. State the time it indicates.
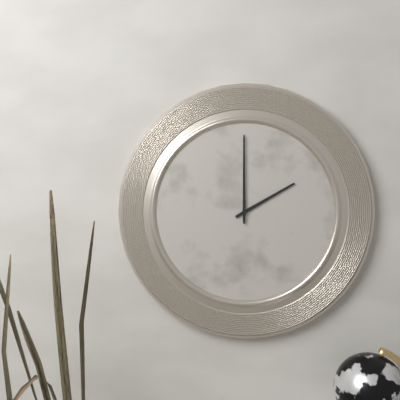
2:00
